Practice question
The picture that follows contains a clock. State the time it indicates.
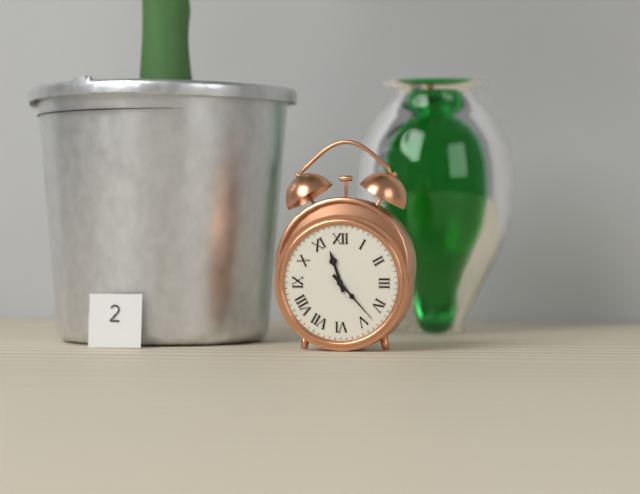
11:23
